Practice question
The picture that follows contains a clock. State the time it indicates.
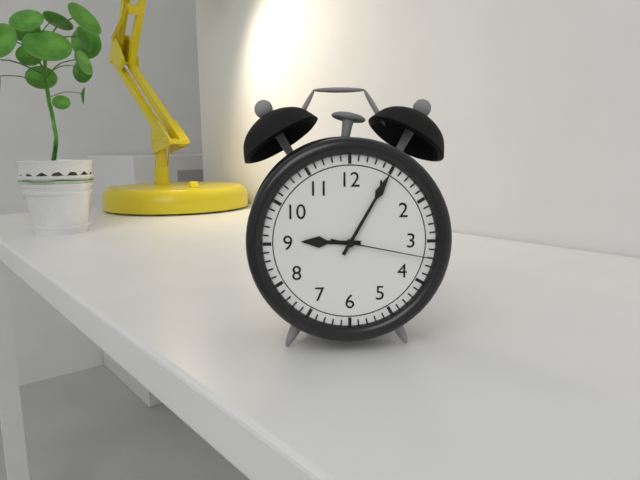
9:05:17
